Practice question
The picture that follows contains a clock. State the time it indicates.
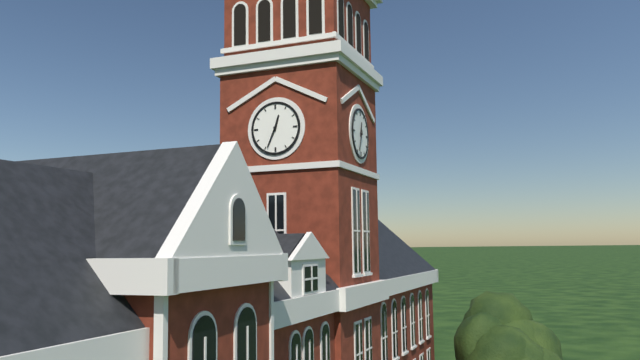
12:34
